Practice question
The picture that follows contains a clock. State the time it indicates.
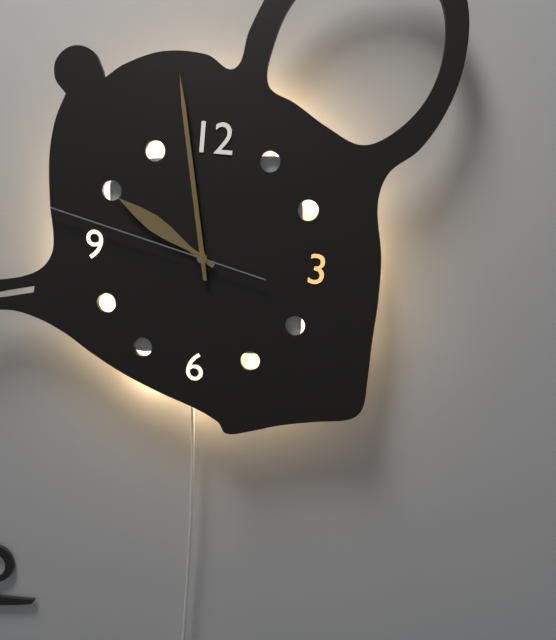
9:58:47
